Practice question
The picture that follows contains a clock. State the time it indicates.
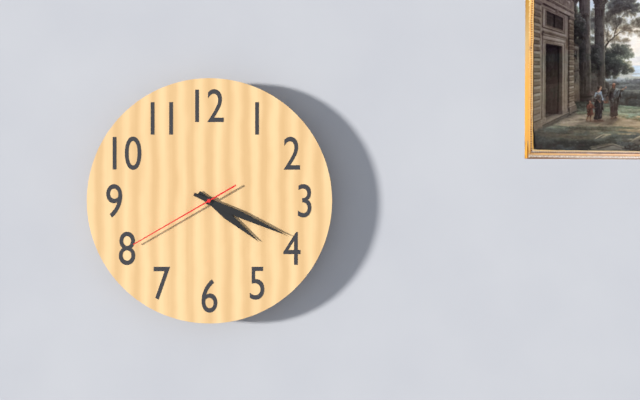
4:19:40
